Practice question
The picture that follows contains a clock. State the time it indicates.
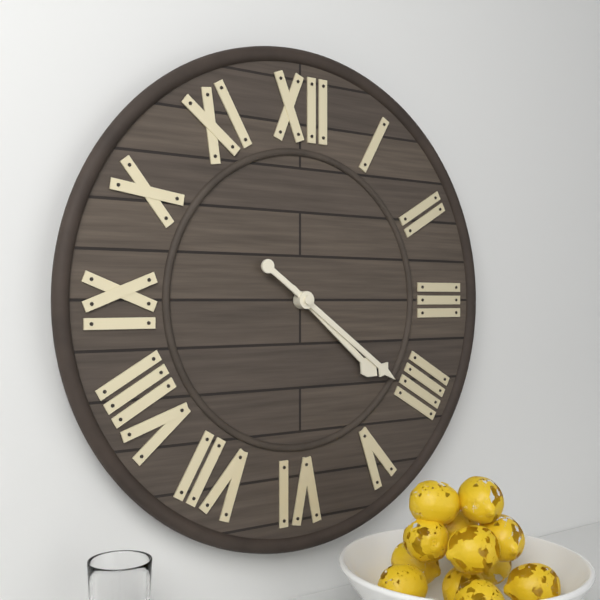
4:21
